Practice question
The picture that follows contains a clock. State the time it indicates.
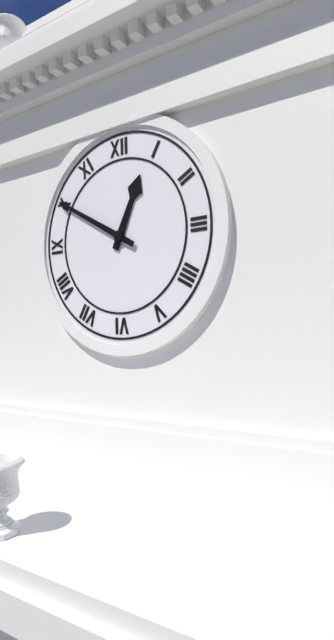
12:50
